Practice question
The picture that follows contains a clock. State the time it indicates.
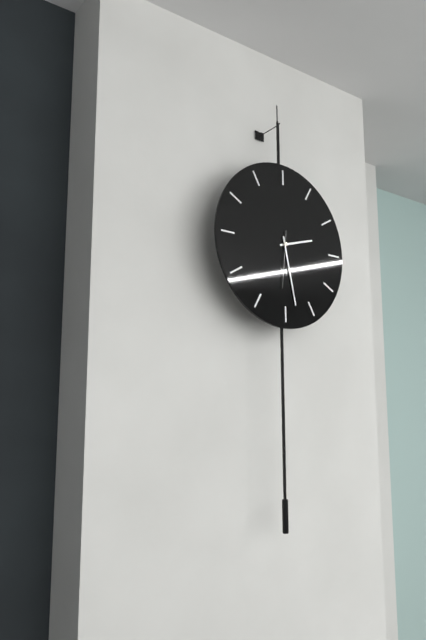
2:28:31
